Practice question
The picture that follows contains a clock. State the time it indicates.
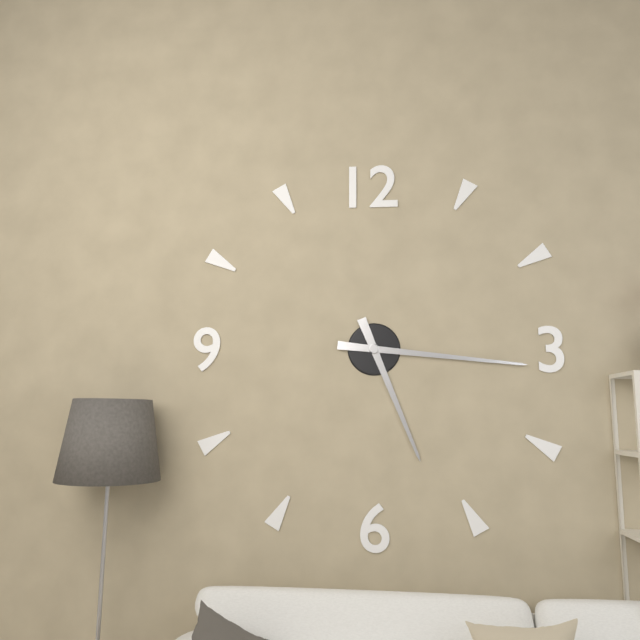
5:16
